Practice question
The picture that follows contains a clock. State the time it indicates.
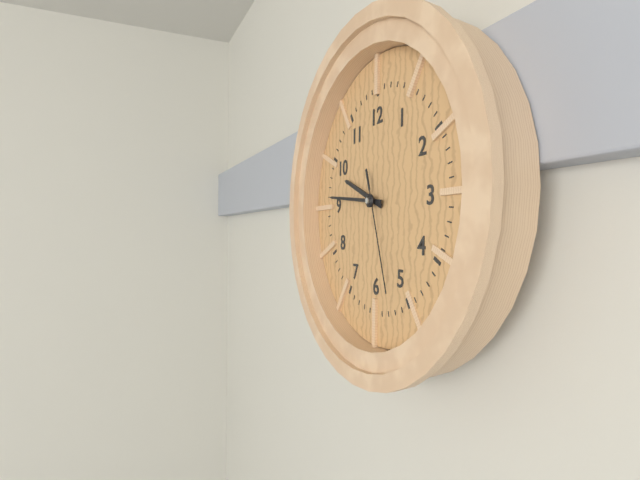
9:46:27
